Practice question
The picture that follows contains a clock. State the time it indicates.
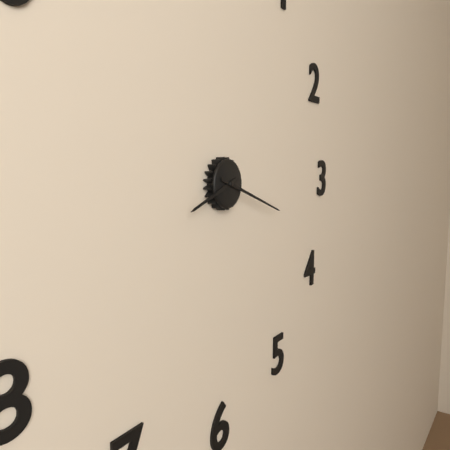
8:18
